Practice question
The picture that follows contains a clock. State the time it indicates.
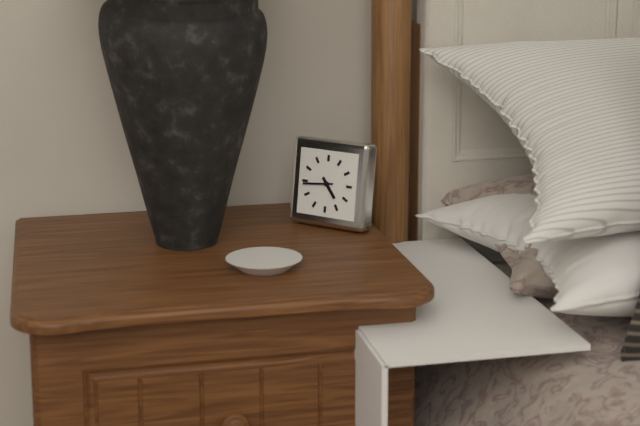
4:44
